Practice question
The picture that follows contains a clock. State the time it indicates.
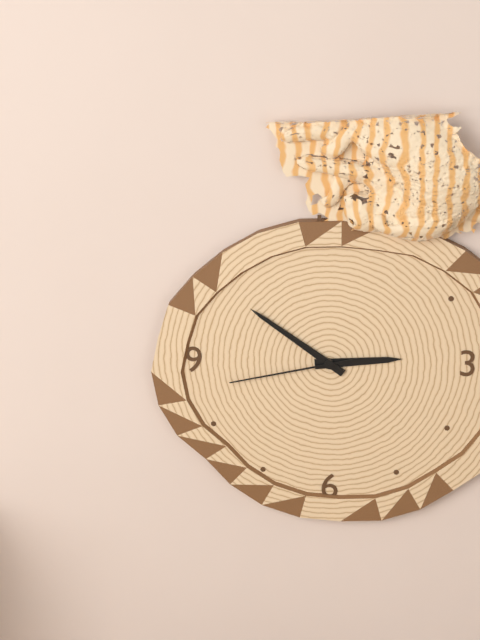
2:51:43
